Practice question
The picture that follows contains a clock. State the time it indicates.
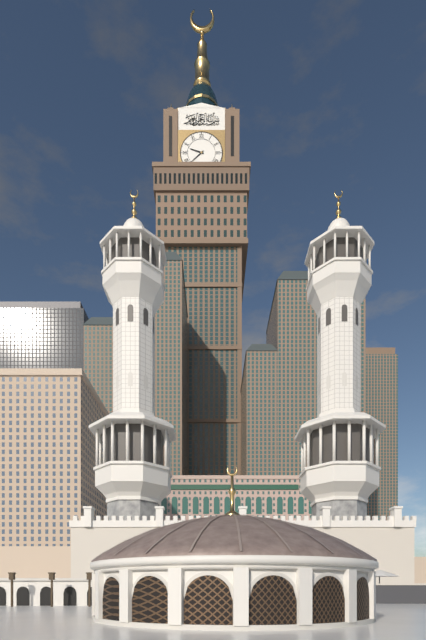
9:38
